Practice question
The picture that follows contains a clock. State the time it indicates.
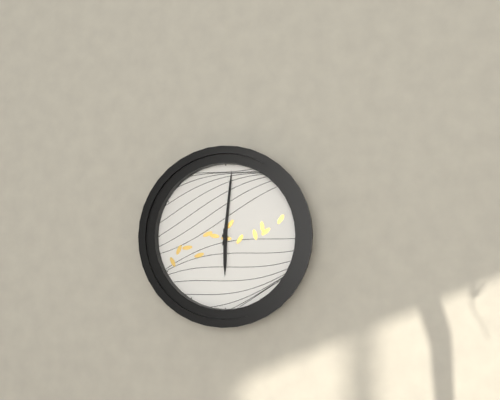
6:01
